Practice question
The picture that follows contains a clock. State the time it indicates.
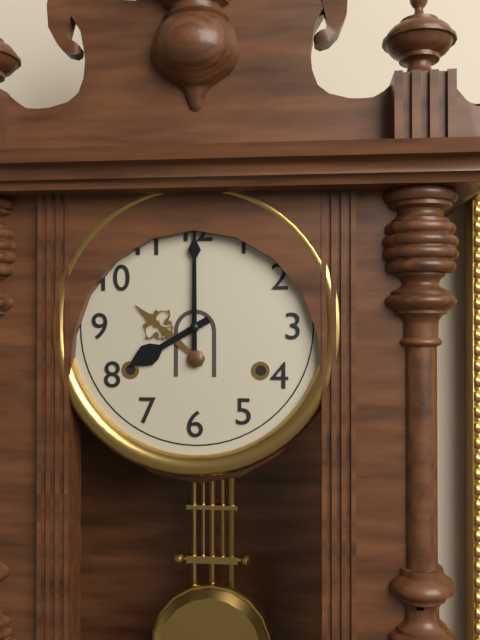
8:00
